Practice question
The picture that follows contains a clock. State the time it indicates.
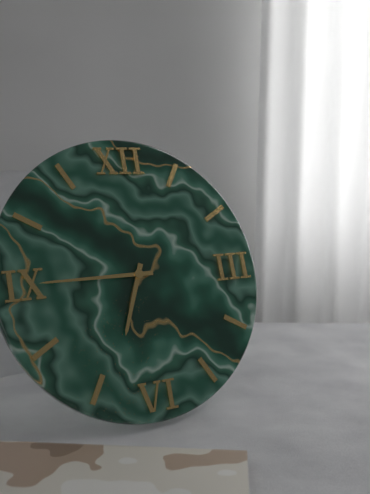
6:45
